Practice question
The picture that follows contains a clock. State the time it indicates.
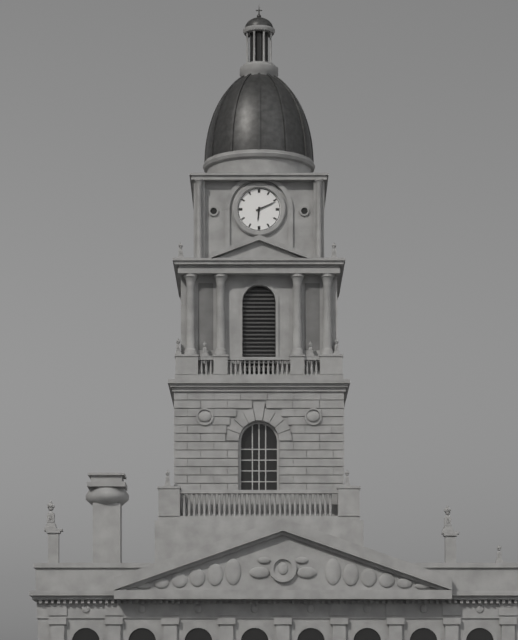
6:11
